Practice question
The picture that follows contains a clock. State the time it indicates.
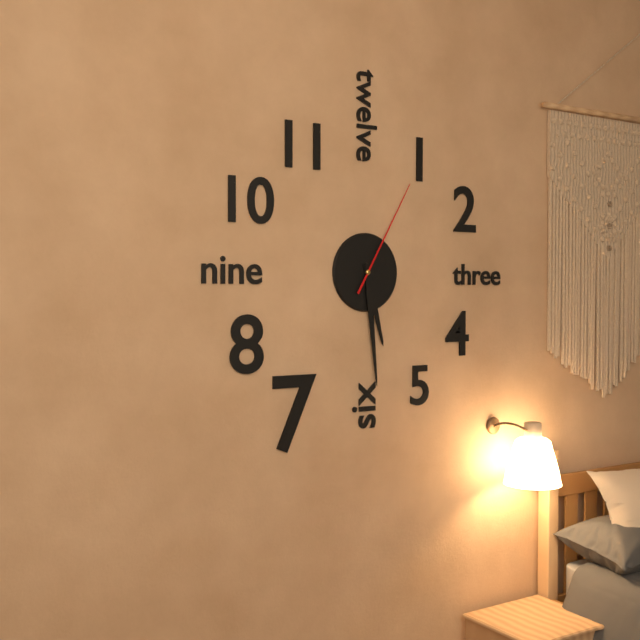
5:29:05
